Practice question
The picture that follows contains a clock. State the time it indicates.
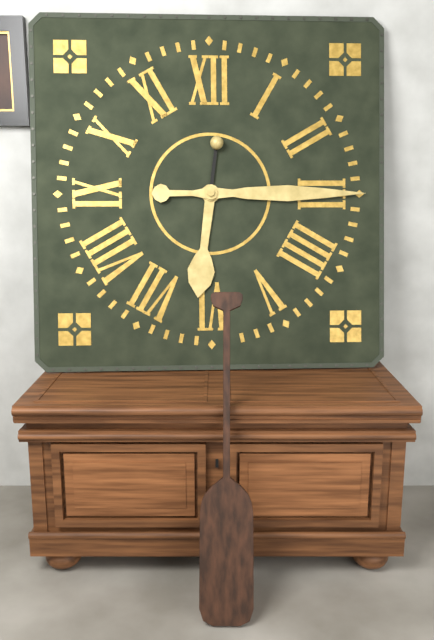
6:15
